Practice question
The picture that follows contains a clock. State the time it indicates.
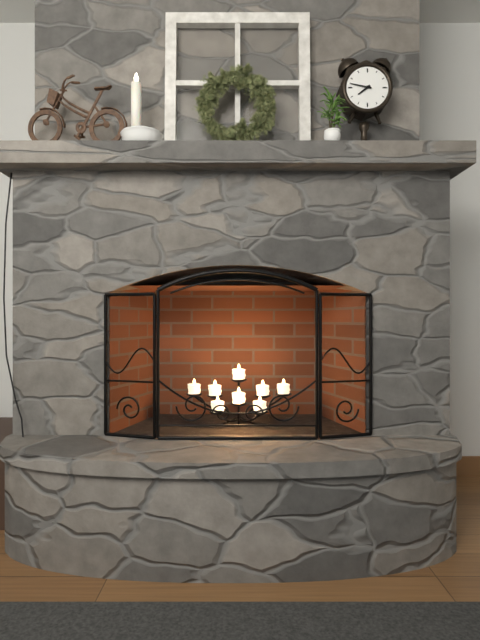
7:47
